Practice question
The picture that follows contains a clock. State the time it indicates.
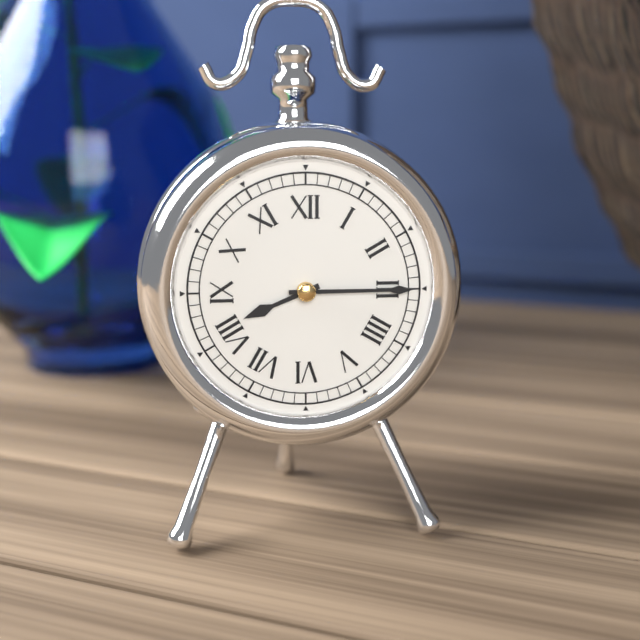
8:15
